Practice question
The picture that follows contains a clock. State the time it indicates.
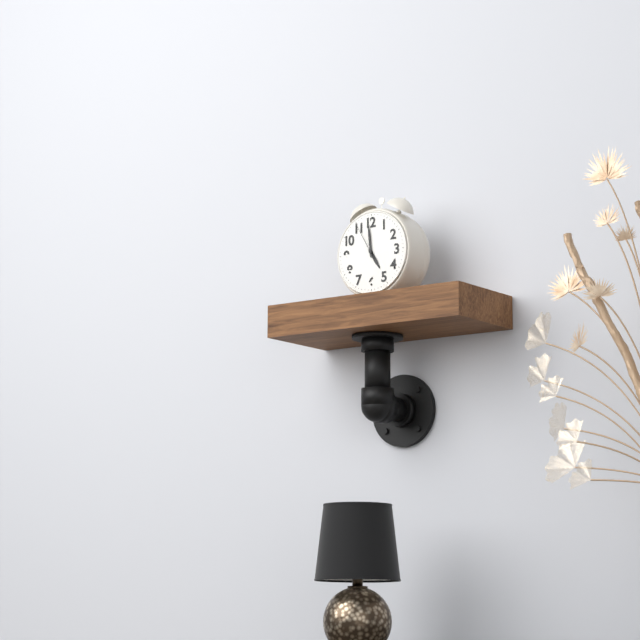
4:59
